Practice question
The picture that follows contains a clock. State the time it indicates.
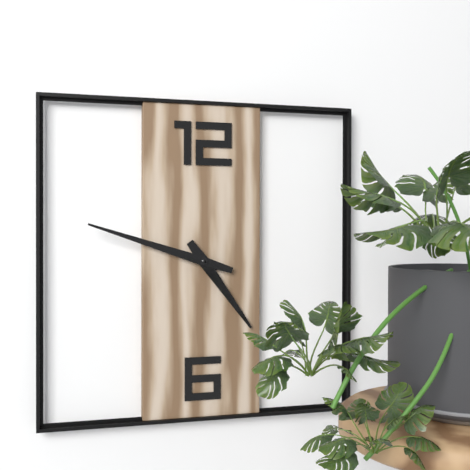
4:48
